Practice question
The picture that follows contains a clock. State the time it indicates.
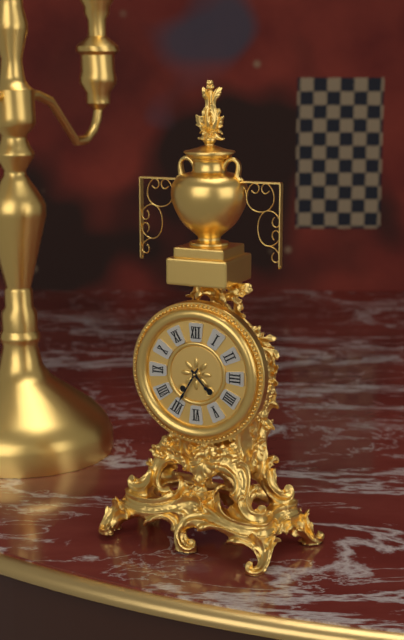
4:35
